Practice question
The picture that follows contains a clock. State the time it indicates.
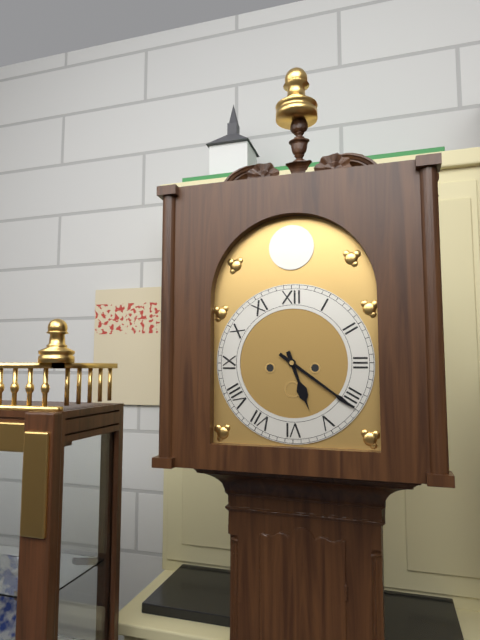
5:21
